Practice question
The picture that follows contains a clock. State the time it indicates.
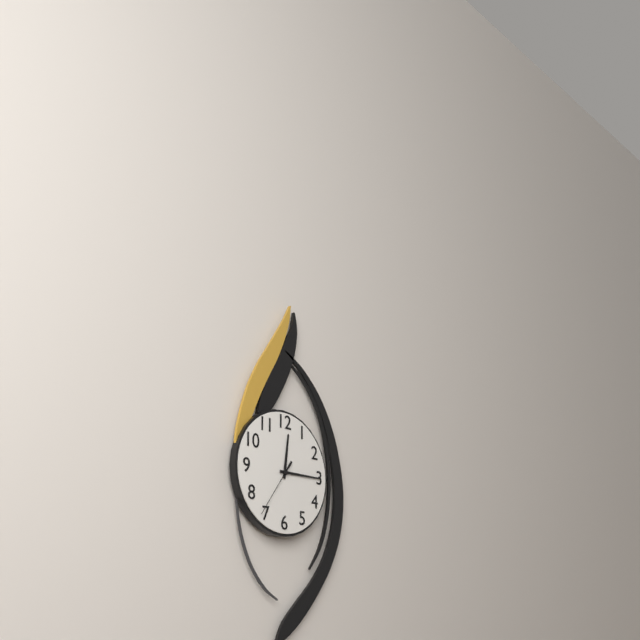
12:15:36
